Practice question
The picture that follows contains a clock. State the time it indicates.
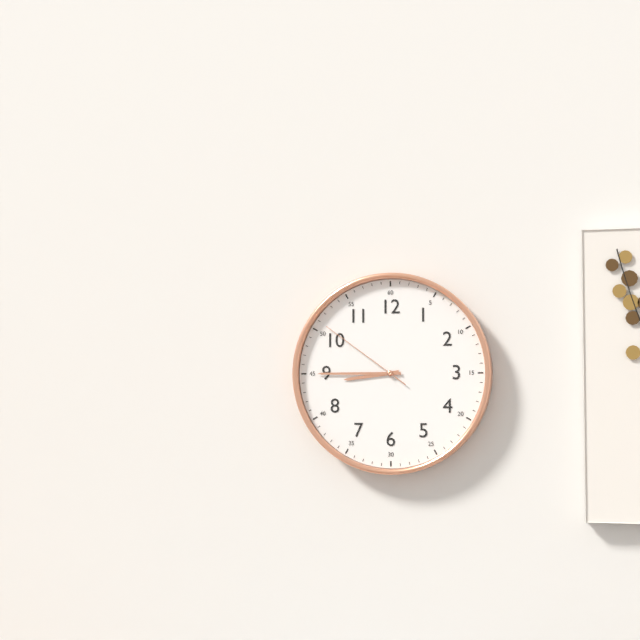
8:45:51
